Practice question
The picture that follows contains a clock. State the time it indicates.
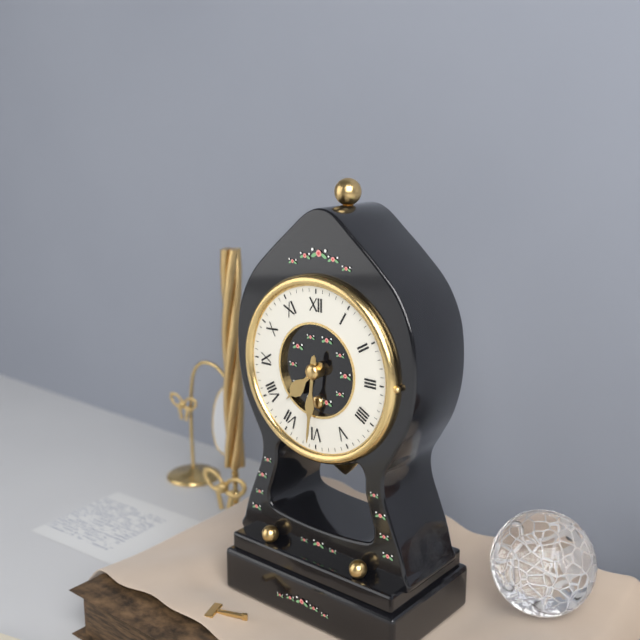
7:31
